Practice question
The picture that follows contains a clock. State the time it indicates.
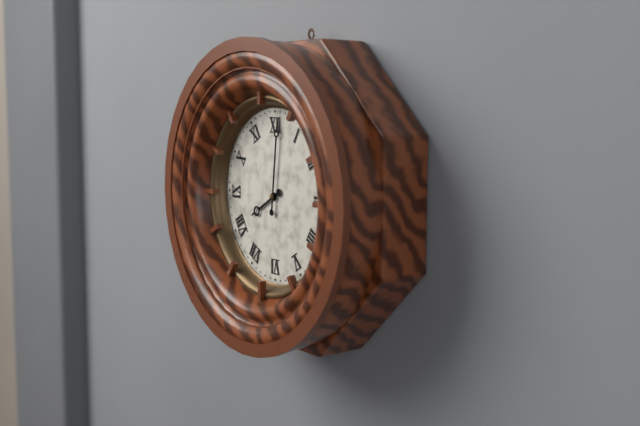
8:01
